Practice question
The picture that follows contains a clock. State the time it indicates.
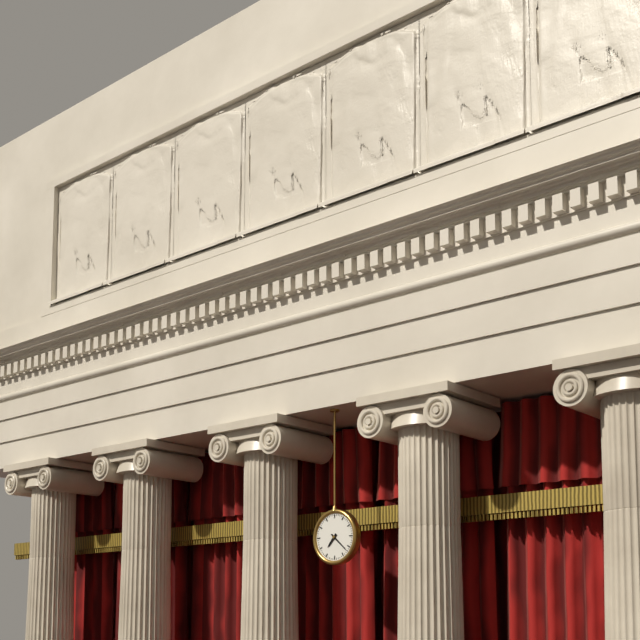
7:22
